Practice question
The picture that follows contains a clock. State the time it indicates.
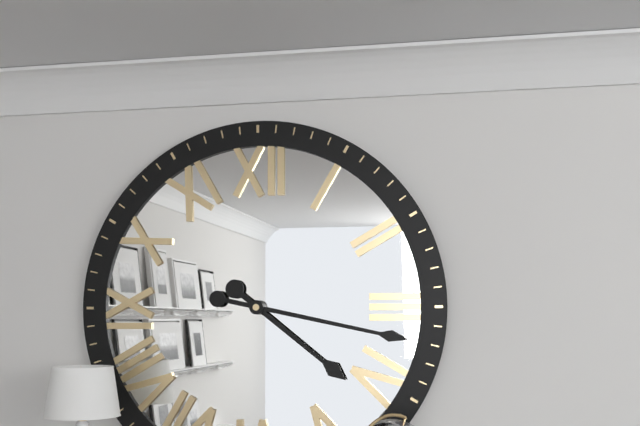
4:17
